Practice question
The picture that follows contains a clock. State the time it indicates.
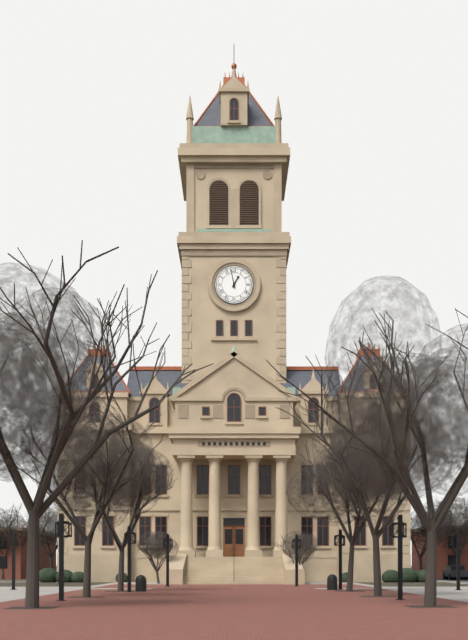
12:58
